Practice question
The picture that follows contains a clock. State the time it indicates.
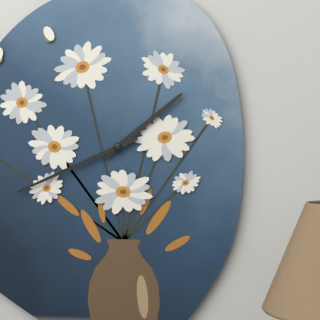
1:41
